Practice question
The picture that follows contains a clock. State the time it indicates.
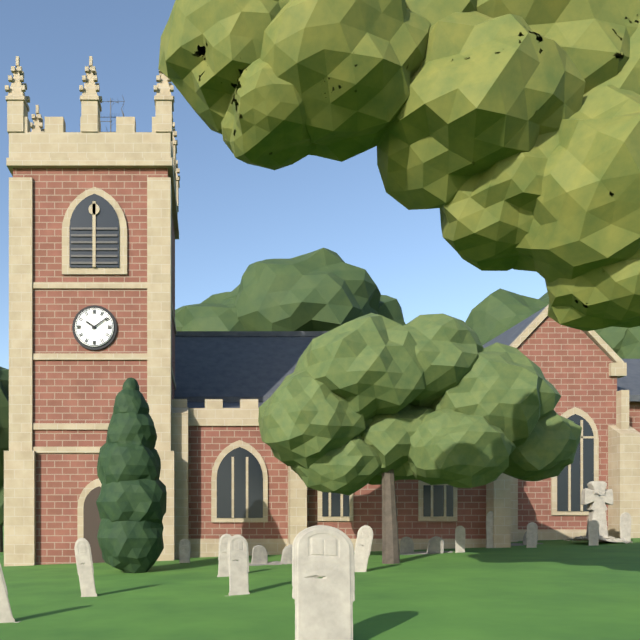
10:09
